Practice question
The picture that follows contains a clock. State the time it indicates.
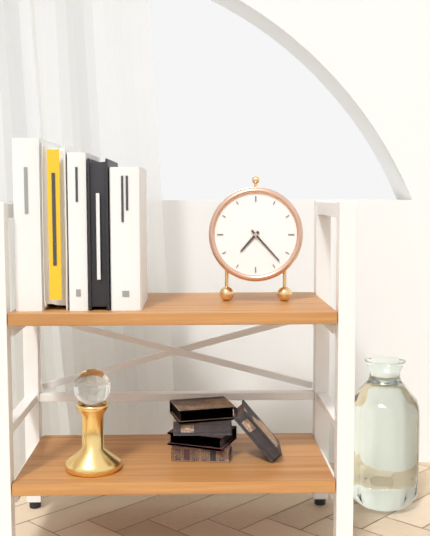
7:23
